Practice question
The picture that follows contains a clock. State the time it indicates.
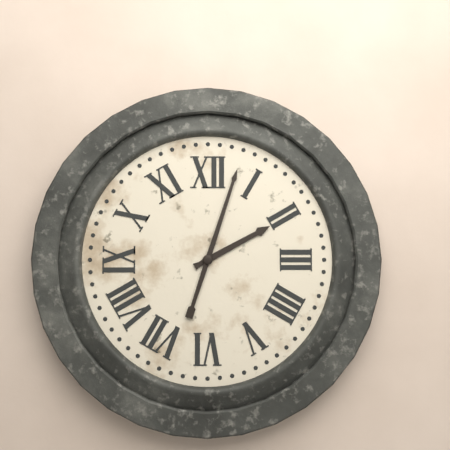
2:03
